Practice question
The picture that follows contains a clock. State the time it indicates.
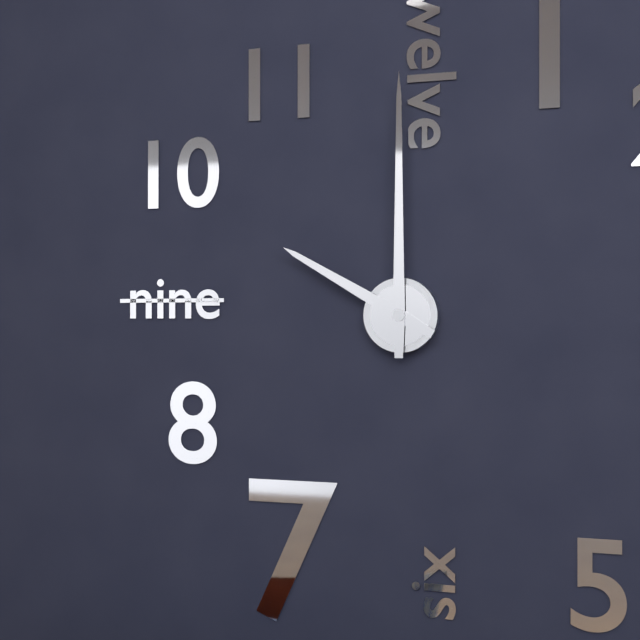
10:00
